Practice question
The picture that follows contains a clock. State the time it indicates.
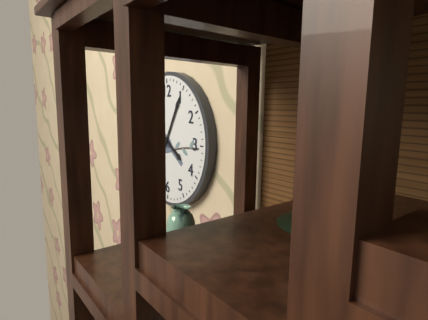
4:05
